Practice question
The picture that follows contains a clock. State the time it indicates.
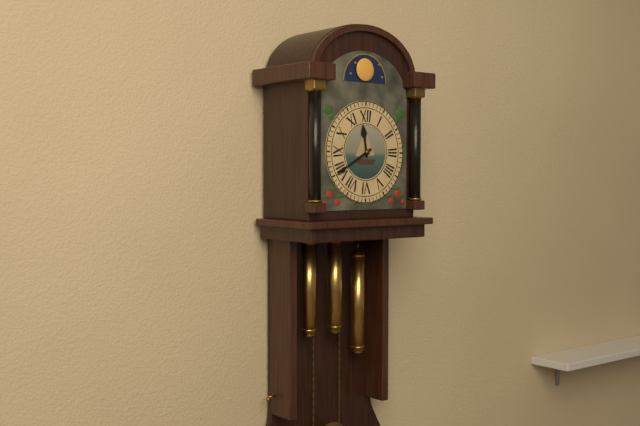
11:40
